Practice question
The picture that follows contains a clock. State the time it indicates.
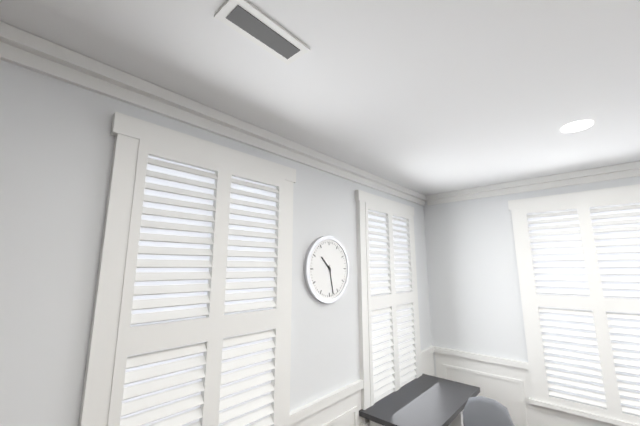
10:28
